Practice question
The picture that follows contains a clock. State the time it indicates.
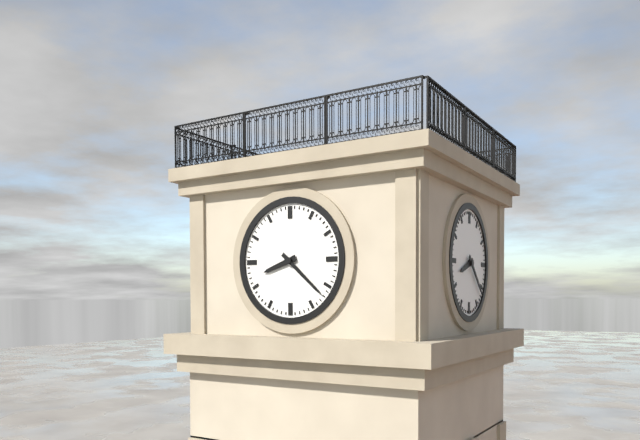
8:22
